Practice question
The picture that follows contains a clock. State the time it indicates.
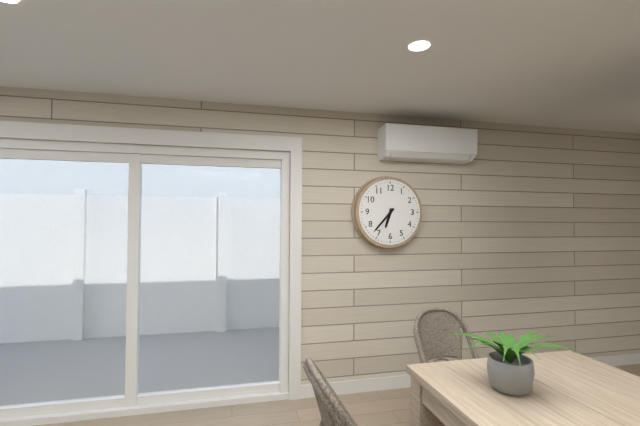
6:37
